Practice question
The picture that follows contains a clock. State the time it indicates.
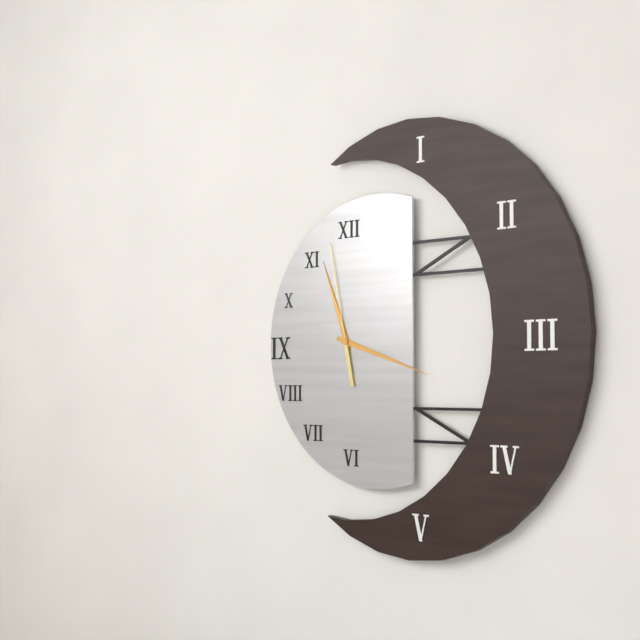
11:18:58
